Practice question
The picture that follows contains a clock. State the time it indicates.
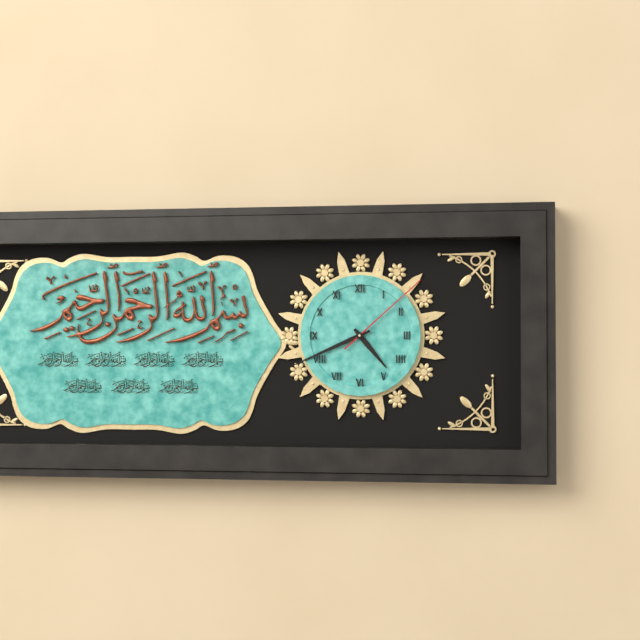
4:41:08
